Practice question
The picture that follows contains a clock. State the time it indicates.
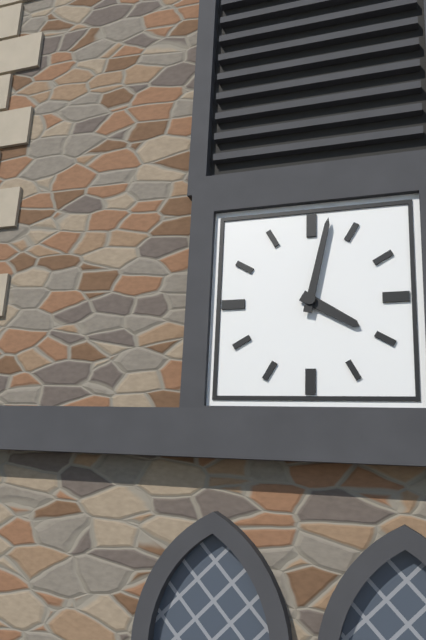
4:02
